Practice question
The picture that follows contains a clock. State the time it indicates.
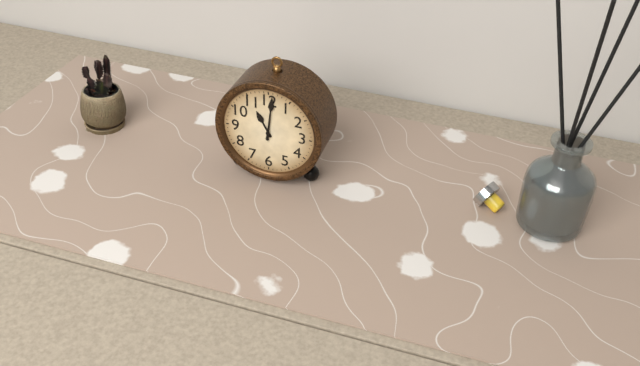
11:01
